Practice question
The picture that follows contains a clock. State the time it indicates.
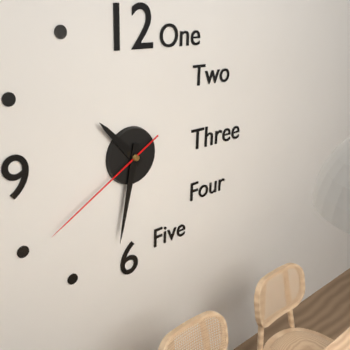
10:32:40
